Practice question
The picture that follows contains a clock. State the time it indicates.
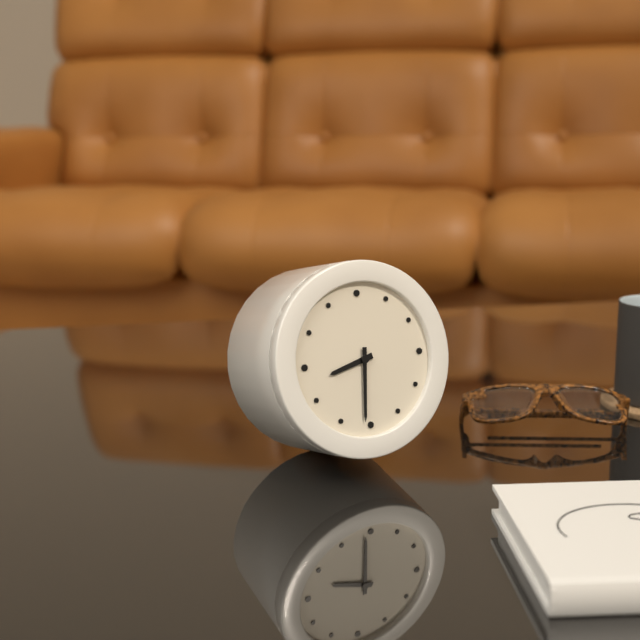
8:31
